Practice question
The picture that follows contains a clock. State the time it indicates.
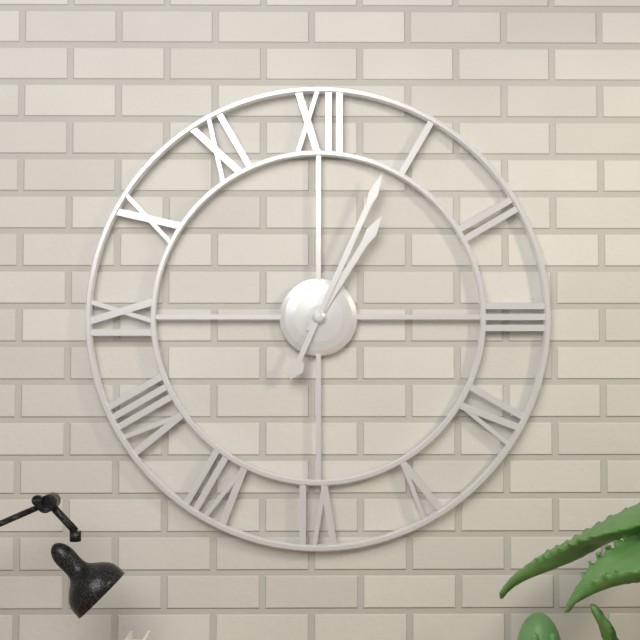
1:04
